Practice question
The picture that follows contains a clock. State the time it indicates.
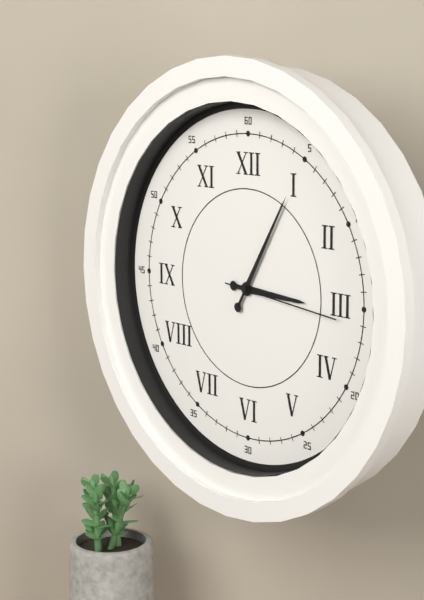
3:05:16
